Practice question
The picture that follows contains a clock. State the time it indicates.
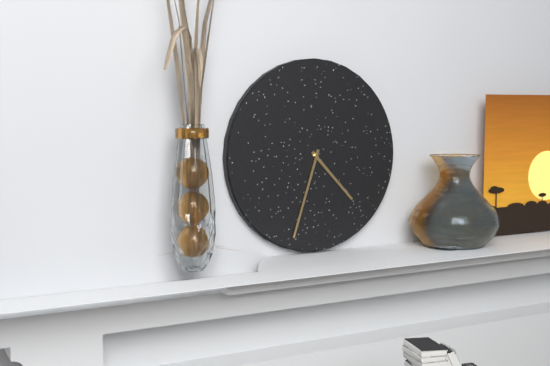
4:33
